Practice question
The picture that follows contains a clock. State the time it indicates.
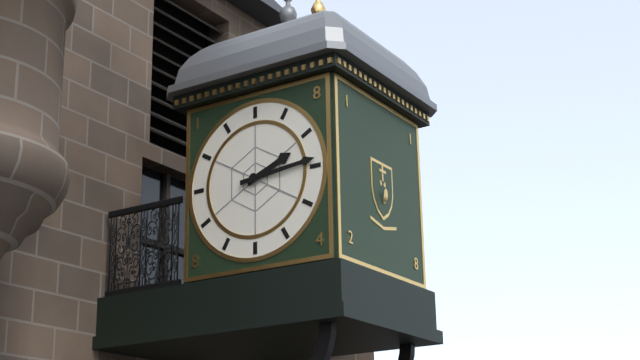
2:14
